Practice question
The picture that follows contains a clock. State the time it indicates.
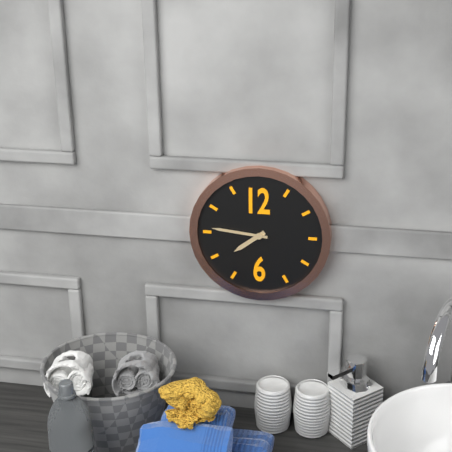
7:46
